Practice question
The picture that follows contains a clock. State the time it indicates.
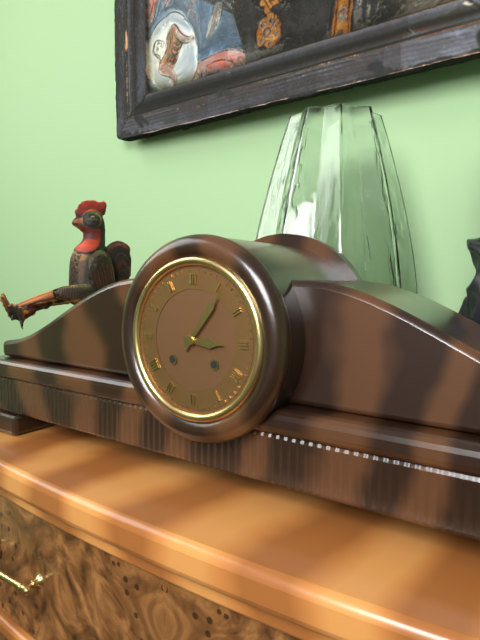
3:06
